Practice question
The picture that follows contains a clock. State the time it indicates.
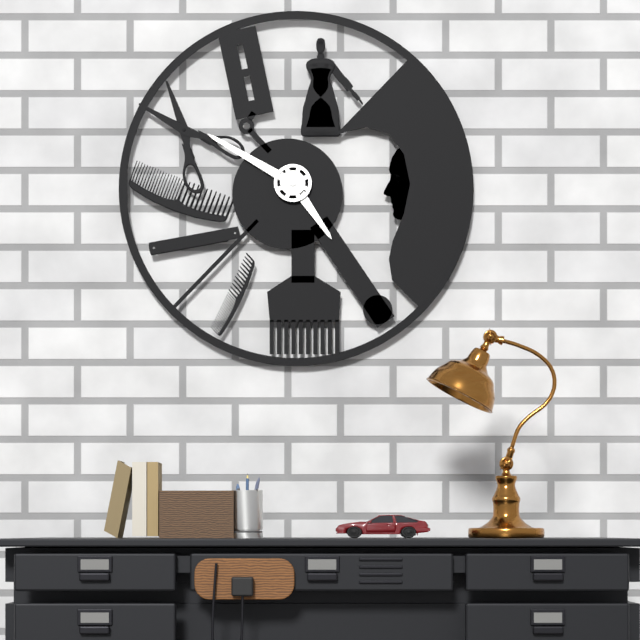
4:50
